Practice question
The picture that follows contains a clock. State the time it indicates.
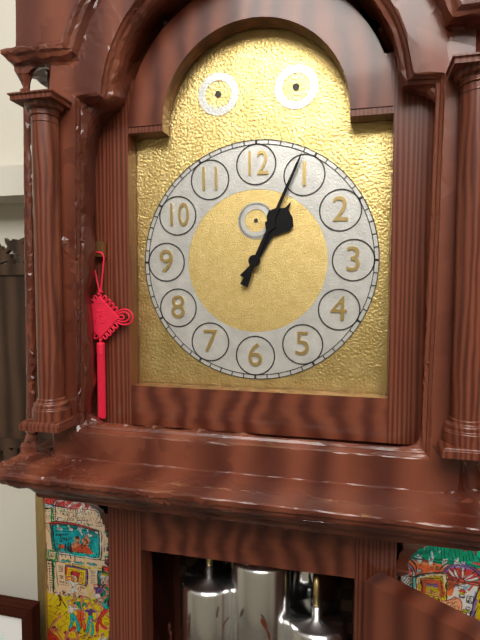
1:04
